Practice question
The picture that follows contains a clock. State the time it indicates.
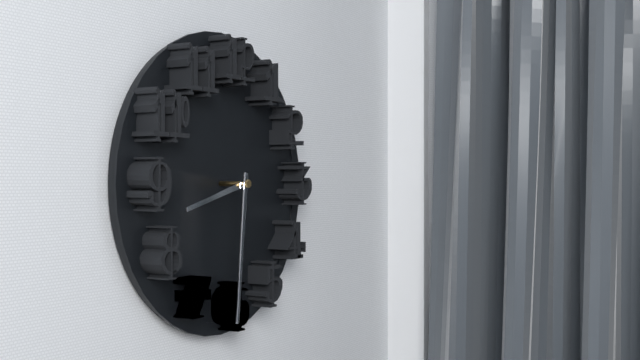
8:31
